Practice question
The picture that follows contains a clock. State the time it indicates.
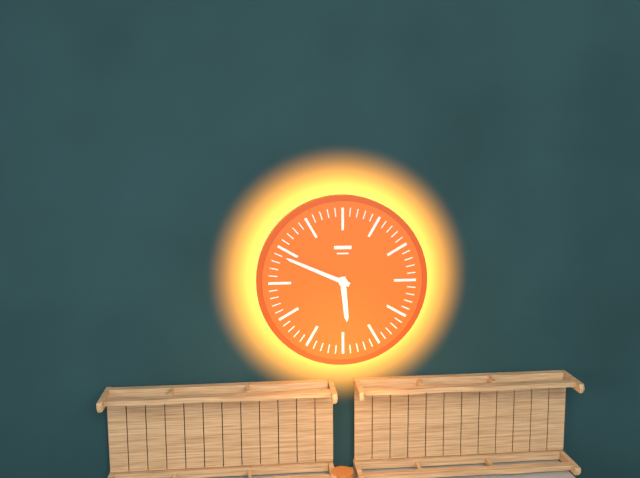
5:49
